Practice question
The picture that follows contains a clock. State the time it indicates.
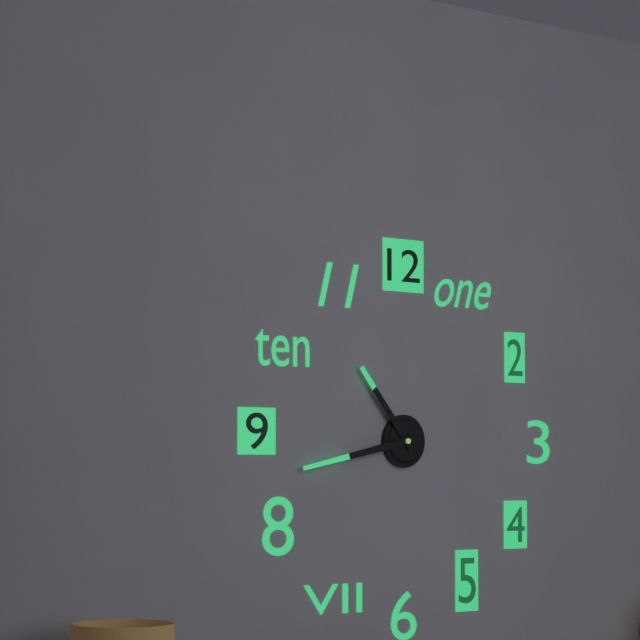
10:43
